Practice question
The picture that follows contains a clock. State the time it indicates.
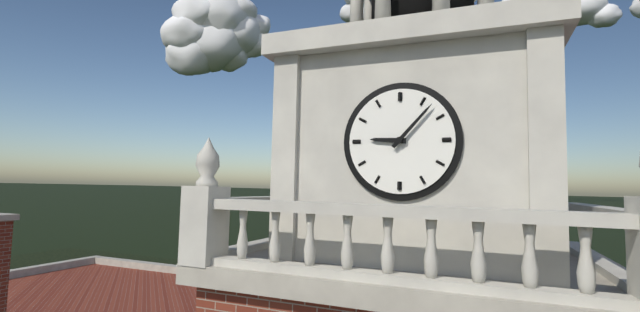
9:07
